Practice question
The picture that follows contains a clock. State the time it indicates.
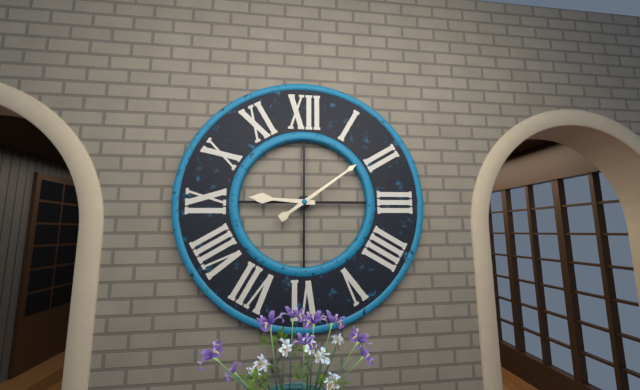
9:09
